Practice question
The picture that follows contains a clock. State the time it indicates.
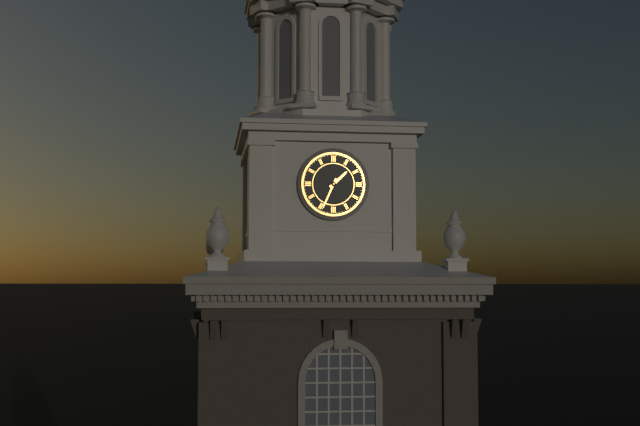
1:34
